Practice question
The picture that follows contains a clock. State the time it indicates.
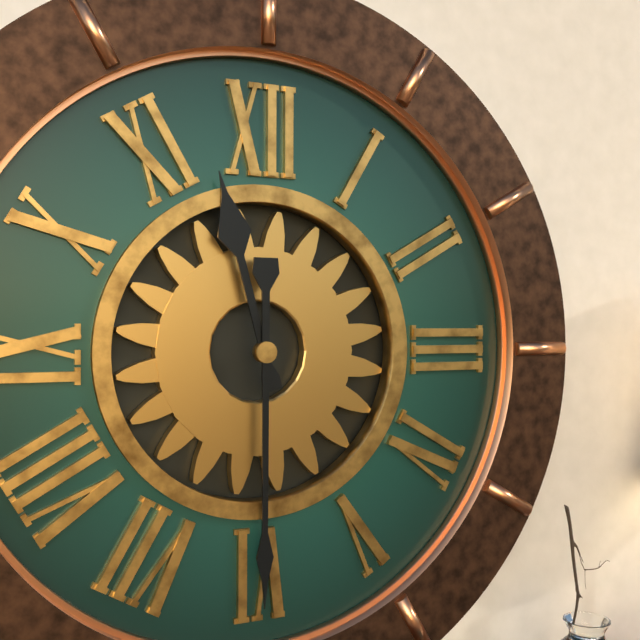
11:30
